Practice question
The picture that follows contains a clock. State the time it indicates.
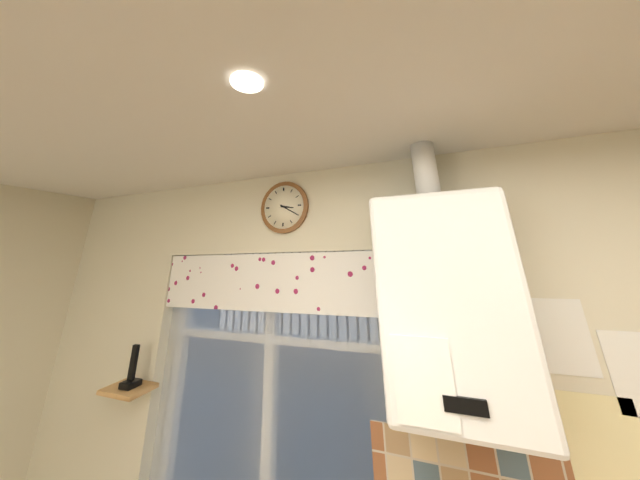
3:20
